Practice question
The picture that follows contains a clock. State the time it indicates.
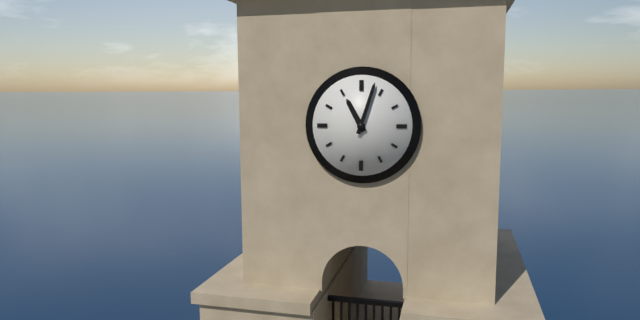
11:03
